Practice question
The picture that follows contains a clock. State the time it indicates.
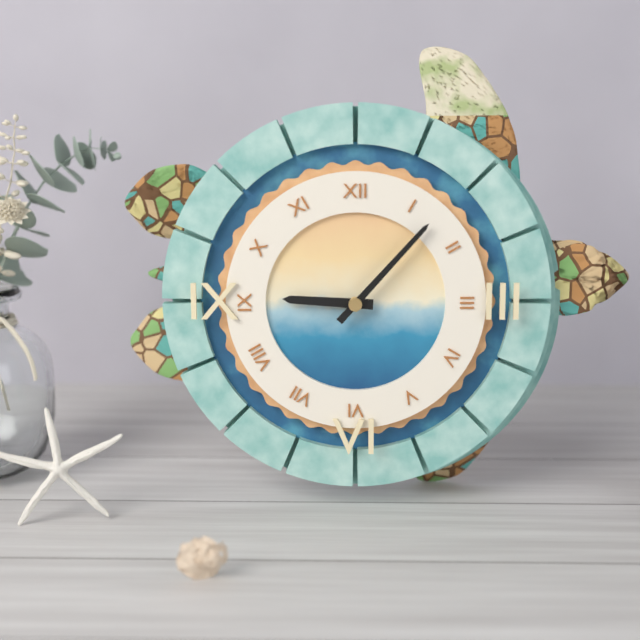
9:07
